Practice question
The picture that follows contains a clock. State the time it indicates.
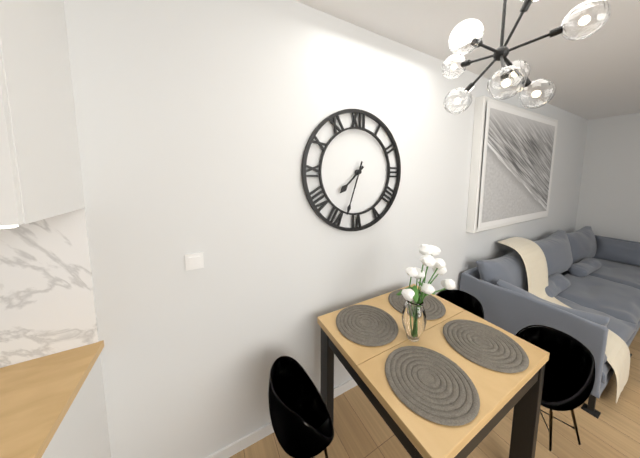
7:33
